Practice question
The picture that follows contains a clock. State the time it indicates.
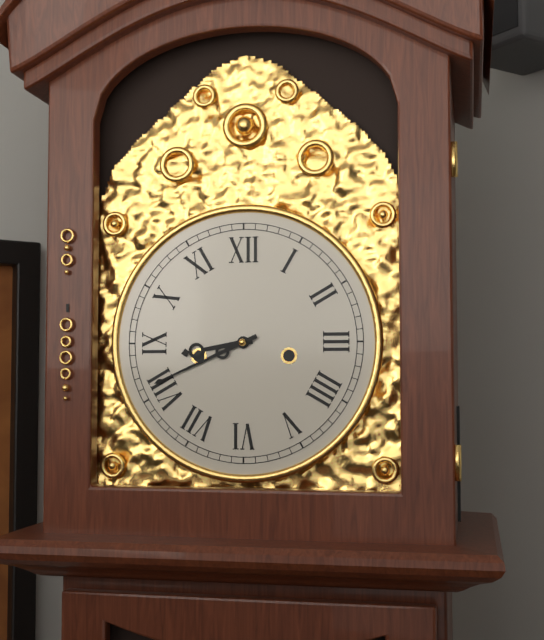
8:41
